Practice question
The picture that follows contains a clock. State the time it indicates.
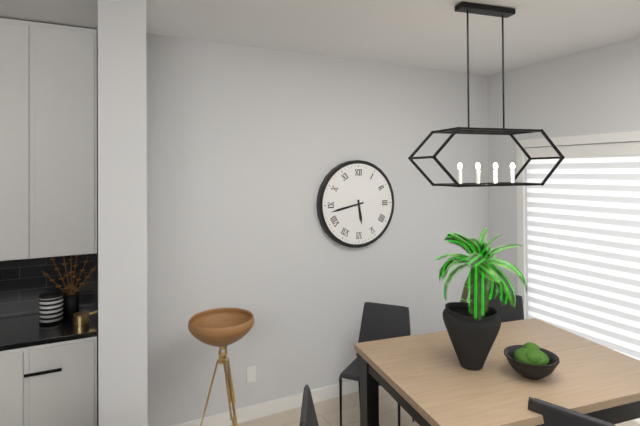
5:43
